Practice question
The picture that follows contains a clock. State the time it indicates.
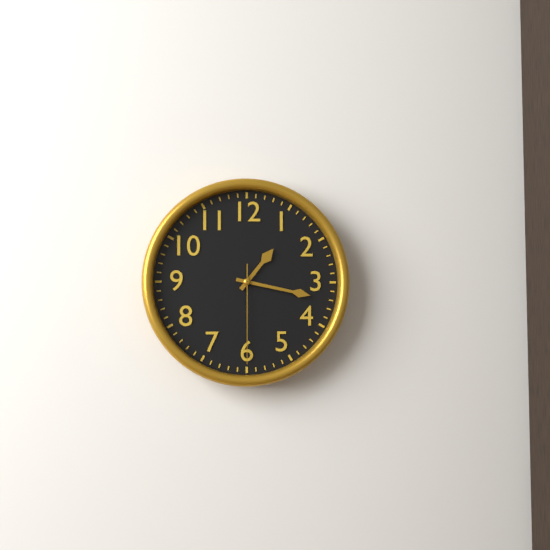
1:17:30
